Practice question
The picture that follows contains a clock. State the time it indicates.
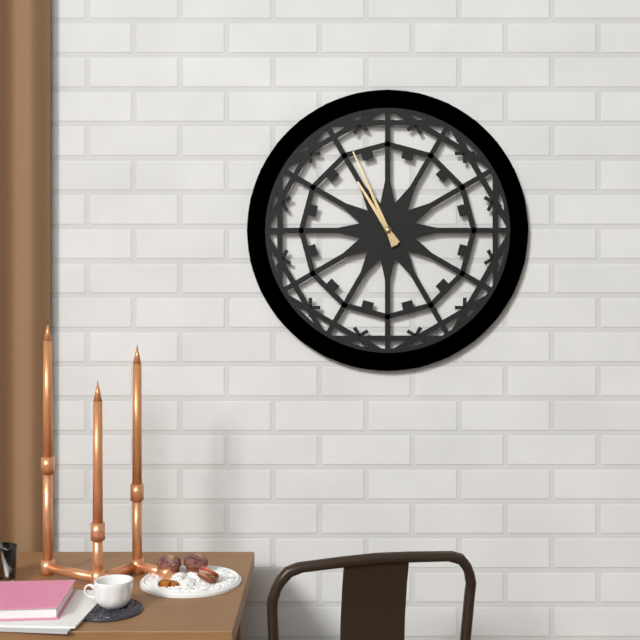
10:56
